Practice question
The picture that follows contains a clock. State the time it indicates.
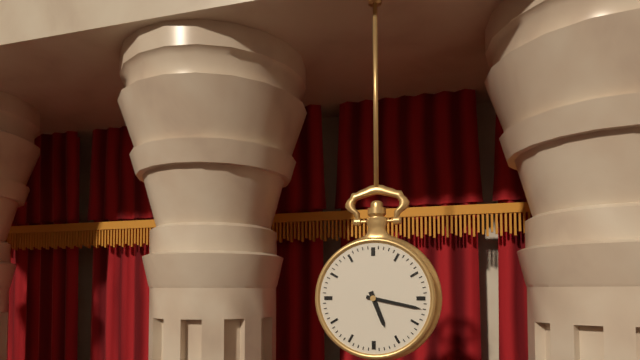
5:17
